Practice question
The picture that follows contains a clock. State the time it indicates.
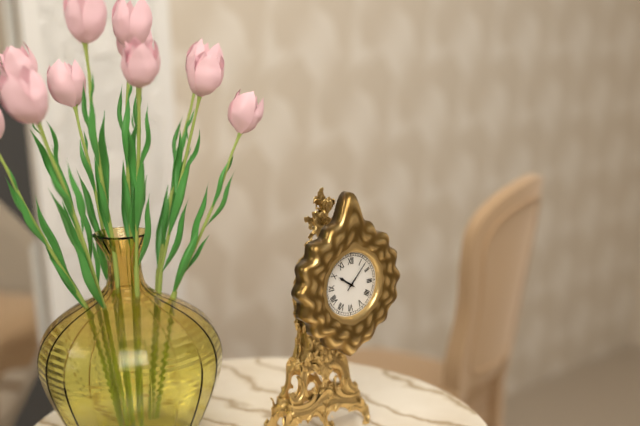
10:07
